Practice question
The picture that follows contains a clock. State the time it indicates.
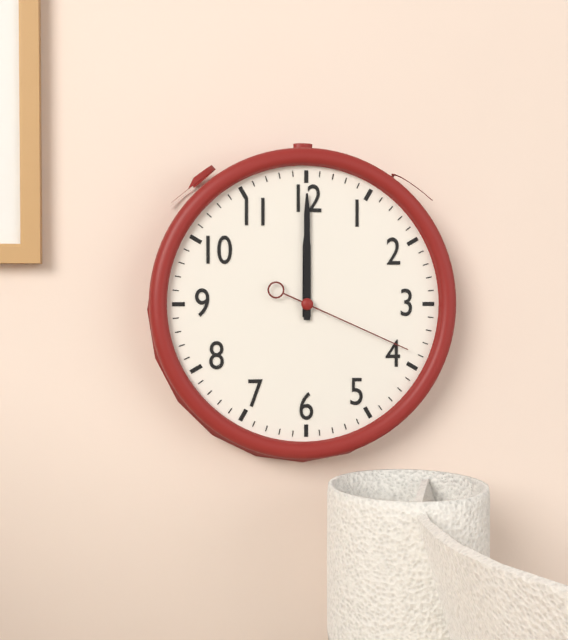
12:00:19
